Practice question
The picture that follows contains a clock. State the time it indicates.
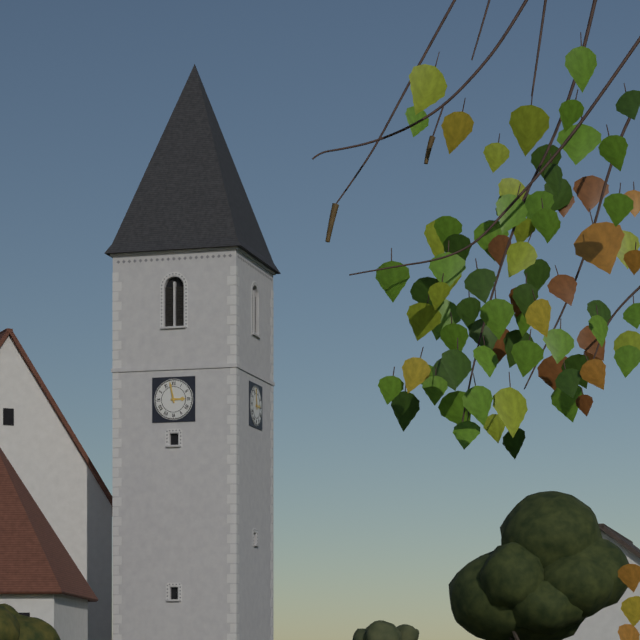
2:58
